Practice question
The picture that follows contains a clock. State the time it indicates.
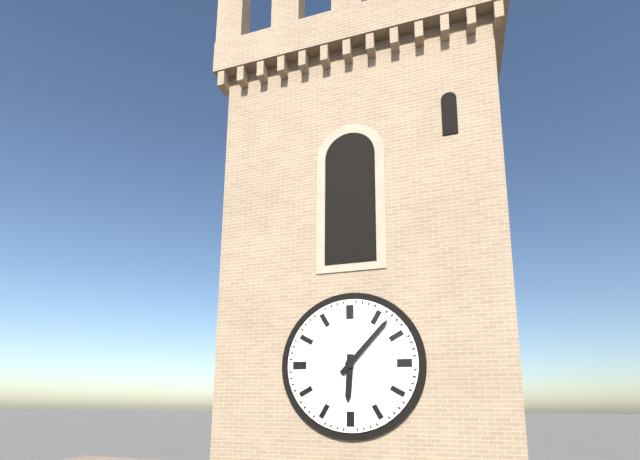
6:07
